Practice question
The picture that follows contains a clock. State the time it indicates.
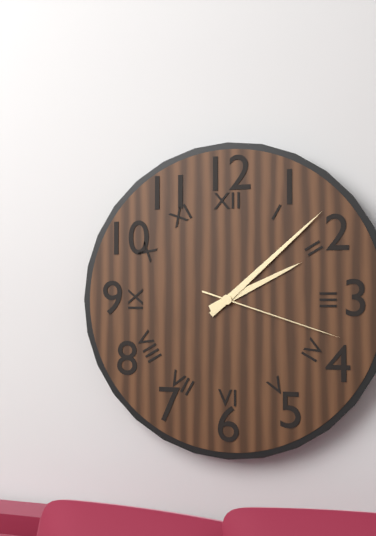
2:08:18
